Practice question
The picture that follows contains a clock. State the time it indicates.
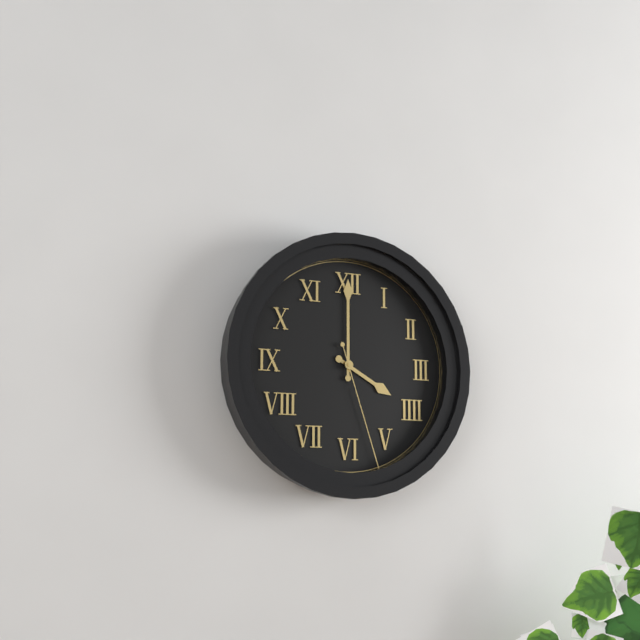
4:00:27
